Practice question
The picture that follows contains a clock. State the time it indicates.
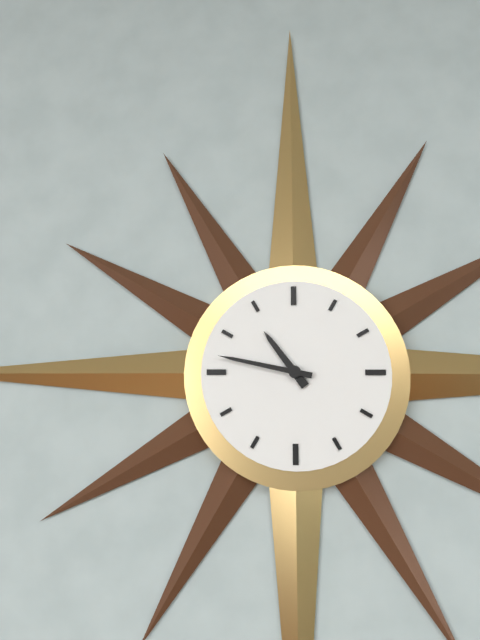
10:47
